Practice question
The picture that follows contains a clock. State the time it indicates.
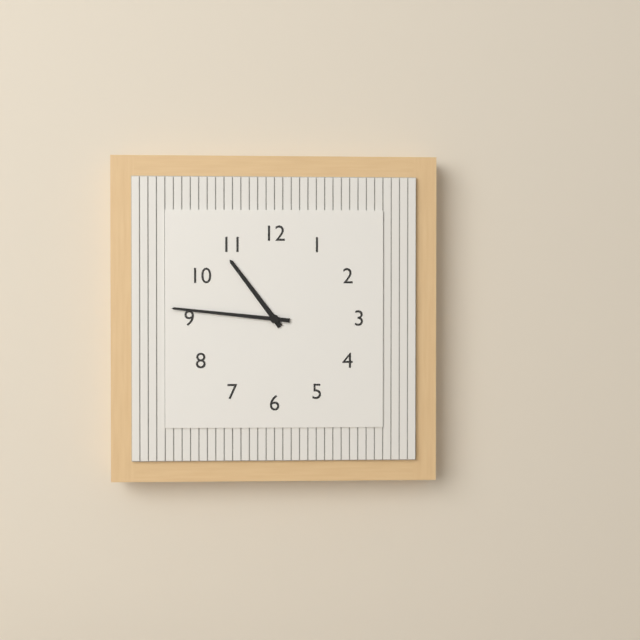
10:46
